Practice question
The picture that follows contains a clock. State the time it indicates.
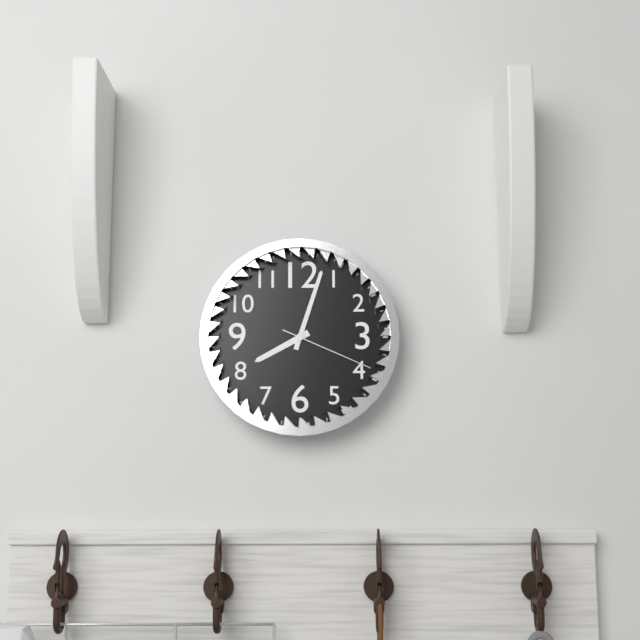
8:03:19
